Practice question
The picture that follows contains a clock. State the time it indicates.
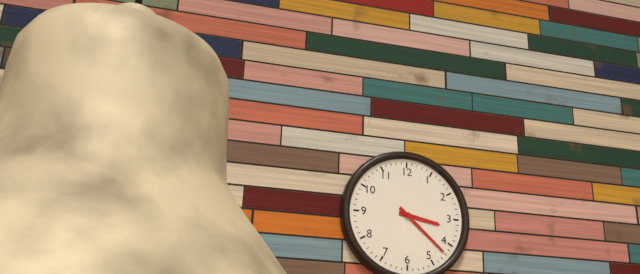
3:22
